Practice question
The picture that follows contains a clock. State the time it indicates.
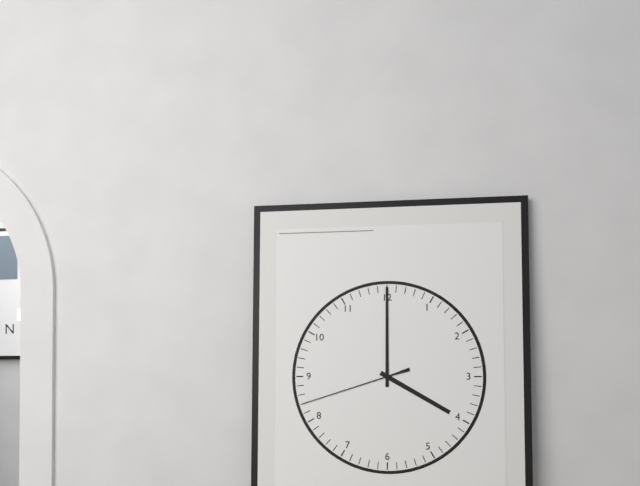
4:00:42
